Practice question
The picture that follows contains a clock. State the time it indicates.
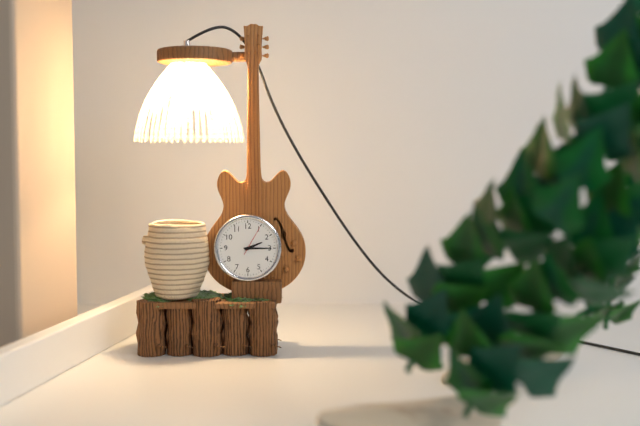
2:15
